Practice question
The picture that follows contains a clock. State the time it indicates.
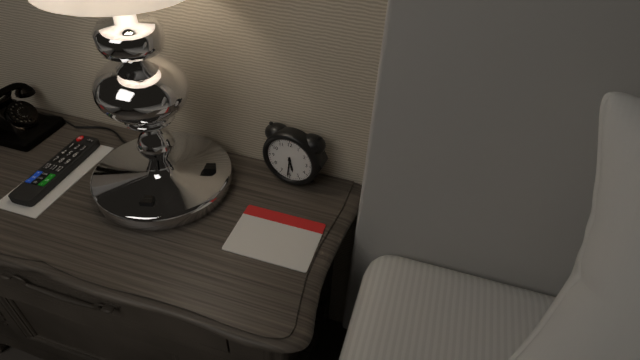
5:31
